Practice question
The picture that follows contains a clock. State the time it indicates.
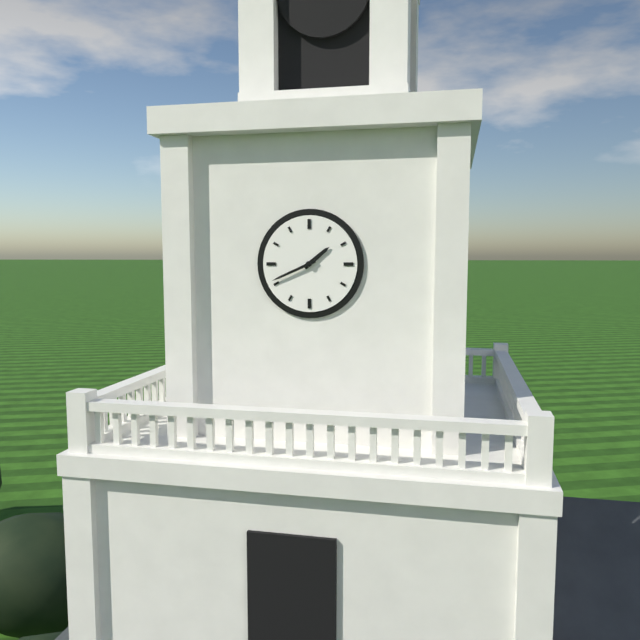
1:41
